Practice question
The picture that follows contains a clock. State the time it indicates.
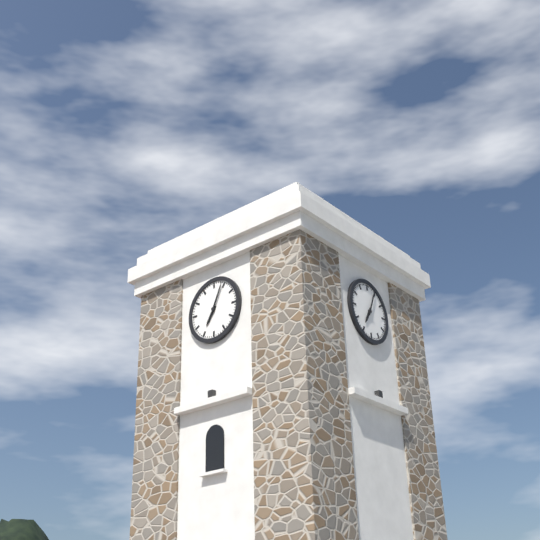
7:04
